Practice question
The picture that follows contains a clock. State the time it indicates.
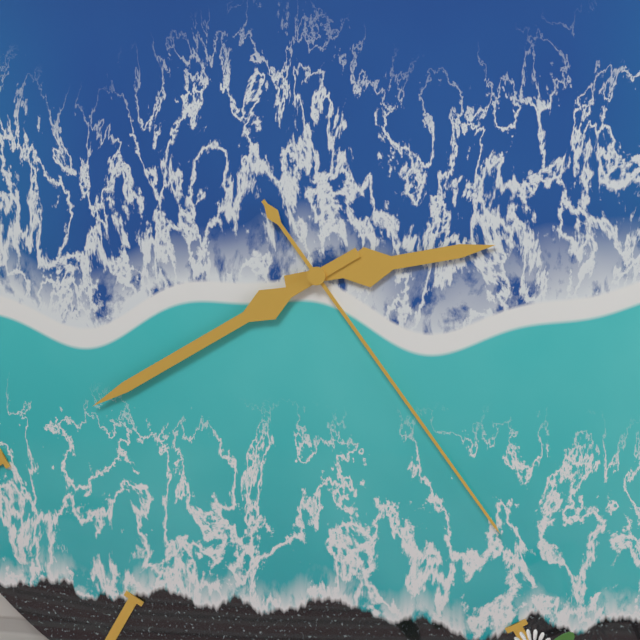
2:40:24
